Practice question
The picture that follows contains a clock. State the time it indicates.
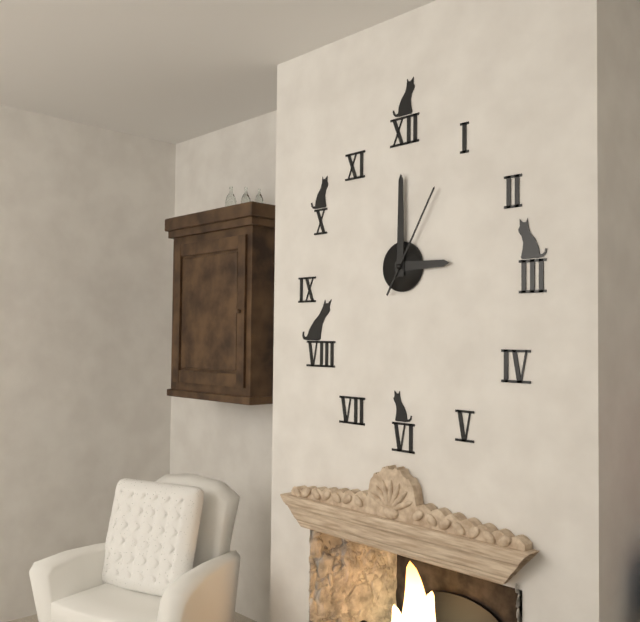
3:00:05
